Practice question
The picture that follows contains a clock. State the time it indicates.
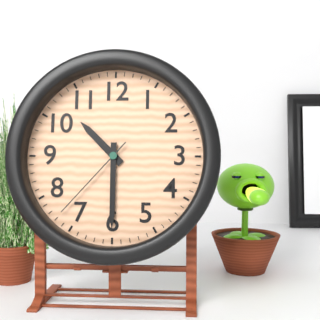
10:30:37
